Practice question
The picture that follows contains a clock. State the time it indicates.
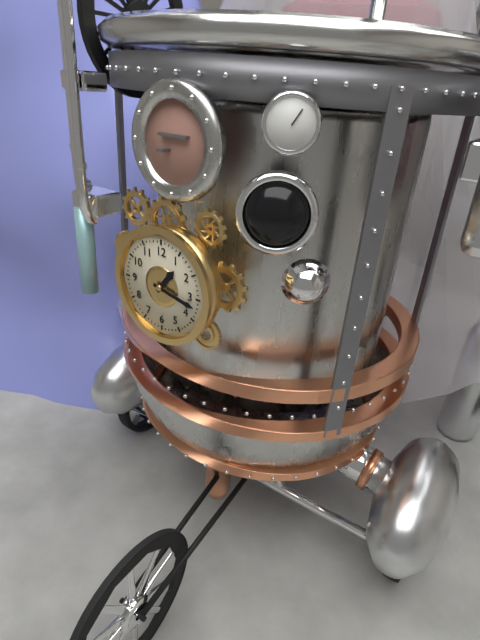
1:17
